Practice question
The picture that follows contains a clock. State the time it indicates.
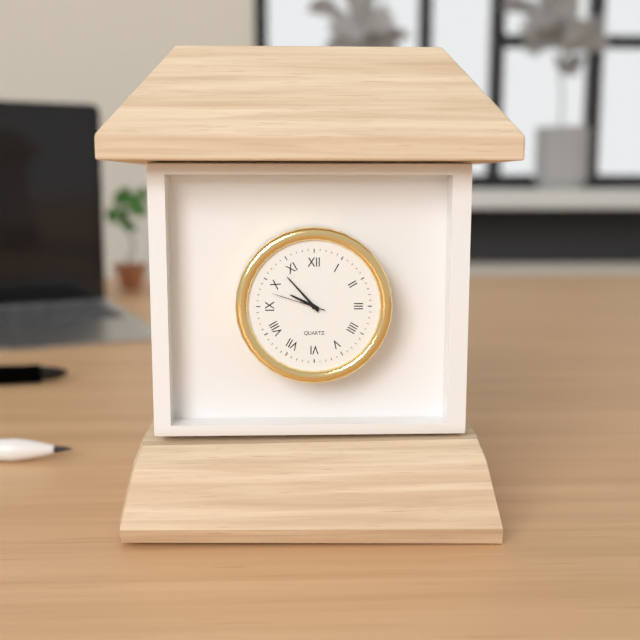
9:53:48
